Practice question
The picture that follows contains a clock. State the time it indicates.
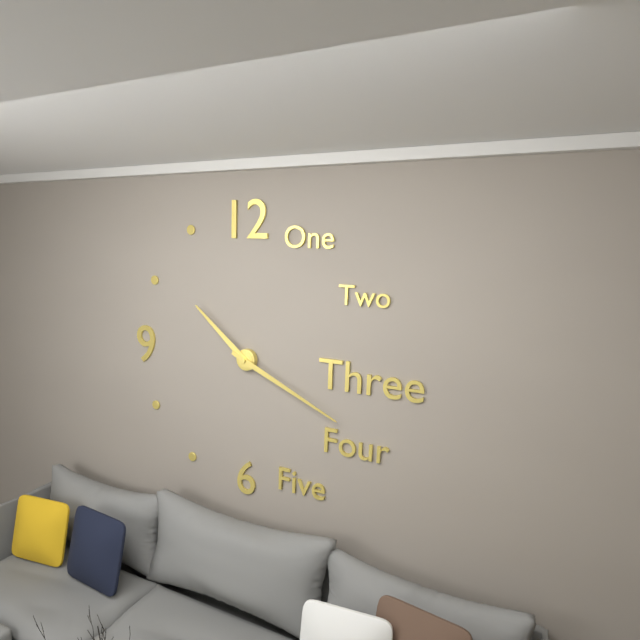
10:19
